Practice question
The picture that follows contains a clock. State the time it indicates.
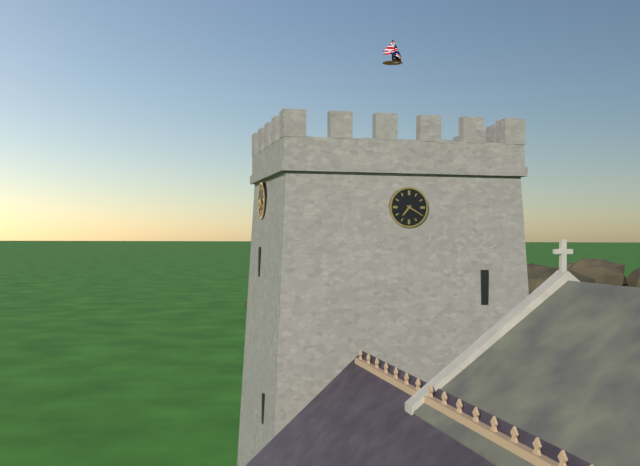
7:20
